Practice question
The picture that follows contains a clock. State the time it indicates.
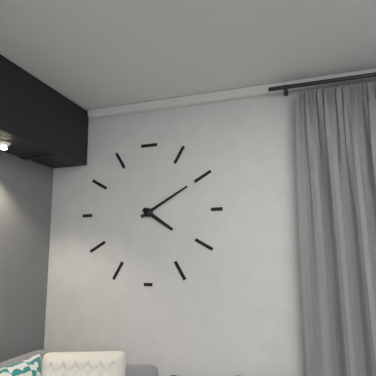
4:10
